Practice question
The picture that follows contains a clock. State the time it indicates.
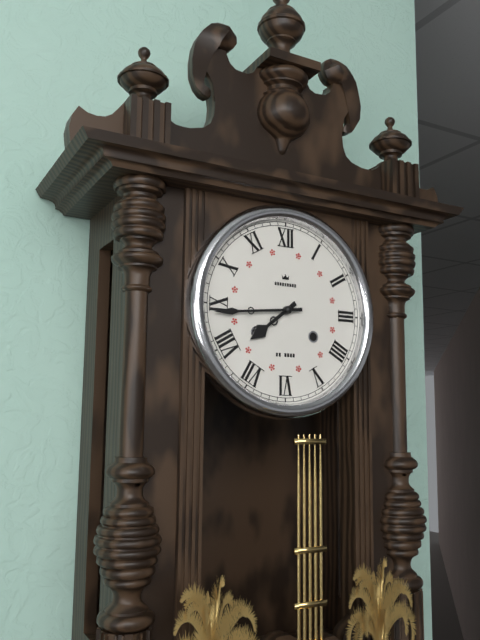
7:44
